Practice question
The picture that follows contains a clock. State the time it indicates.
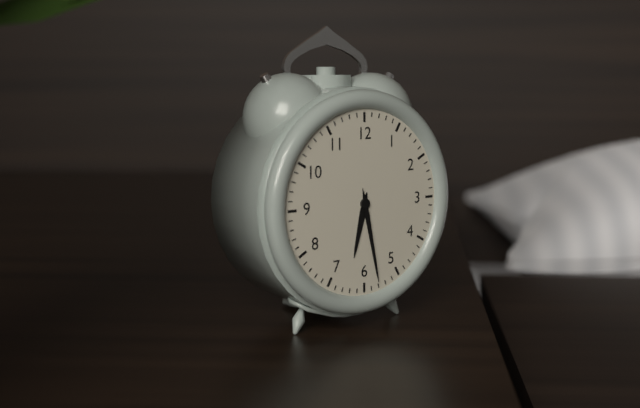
6:28
